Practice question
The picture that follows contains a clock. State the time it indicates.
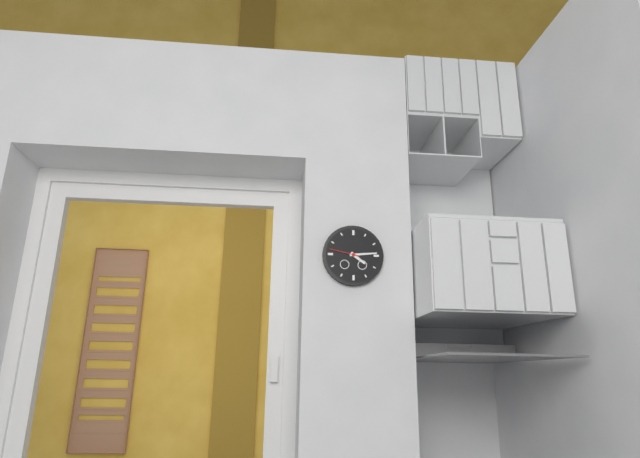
4:14
